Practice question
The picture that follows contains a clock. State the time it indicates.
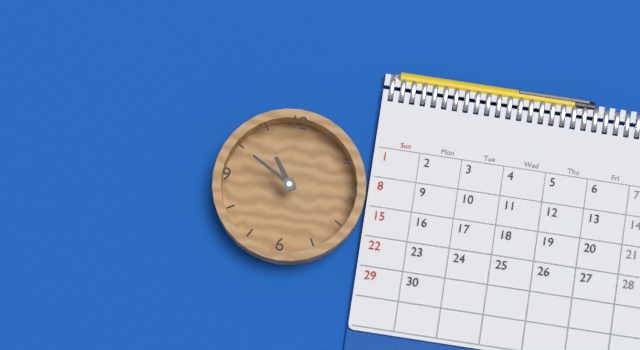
10:50
